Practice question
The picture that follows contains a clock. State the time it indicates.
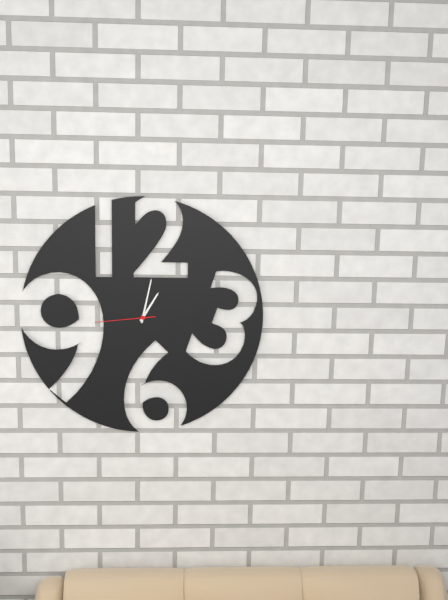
1:02:44
